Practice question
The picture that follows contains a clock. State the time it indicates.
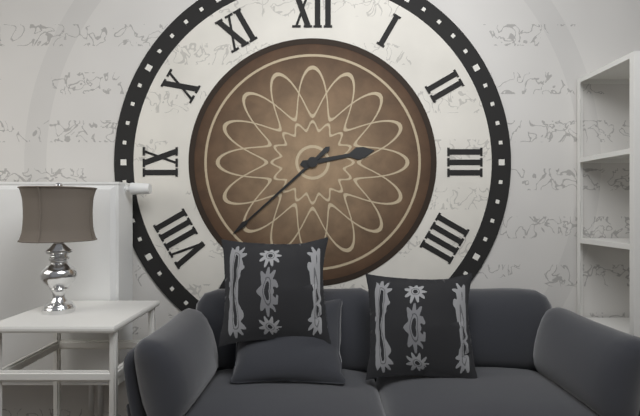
2:38
